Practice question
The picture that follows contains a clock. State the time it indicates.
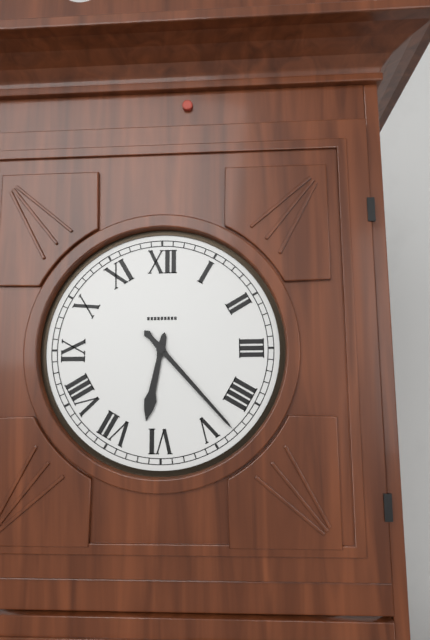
6:23
